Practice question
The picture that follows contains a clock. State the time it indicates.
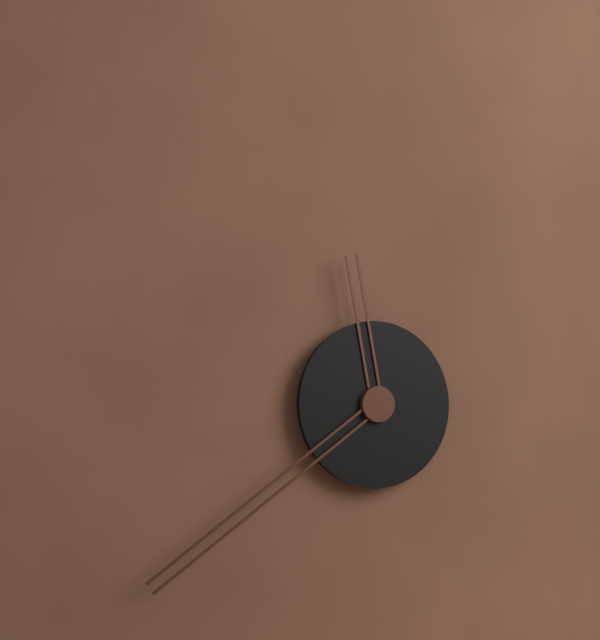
11:39
